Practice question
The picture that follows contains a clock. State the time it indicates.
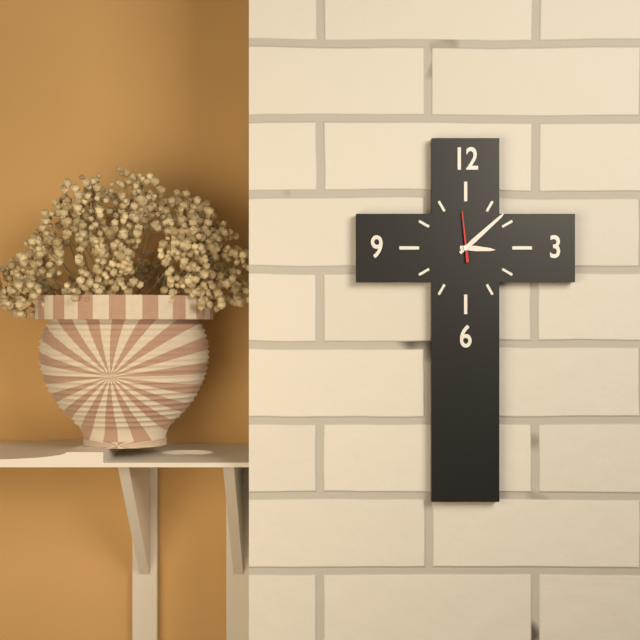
3:08
